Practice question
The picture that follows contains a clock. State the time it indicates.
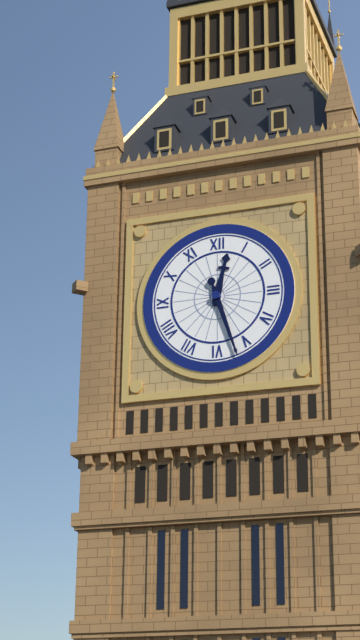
12:27
